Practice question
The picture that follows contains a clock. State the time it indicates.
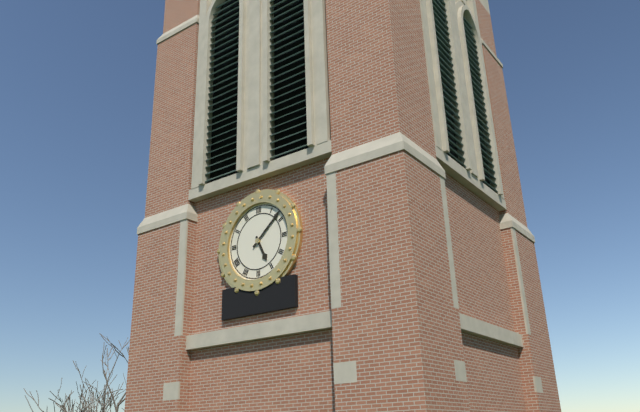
5:08
